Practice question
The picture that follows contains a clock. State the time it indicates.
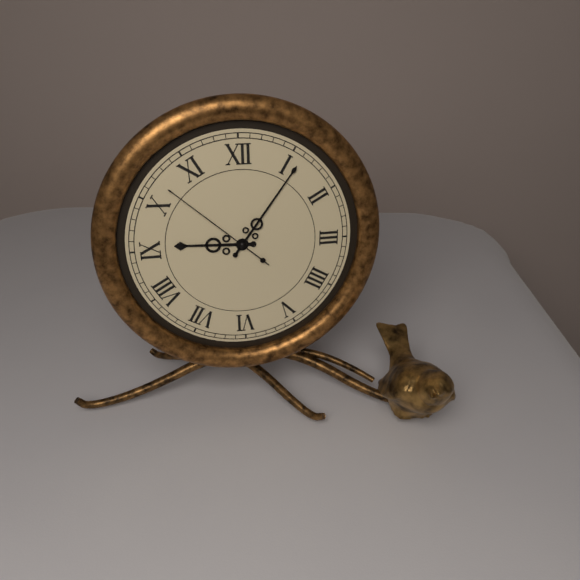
9:06:52
